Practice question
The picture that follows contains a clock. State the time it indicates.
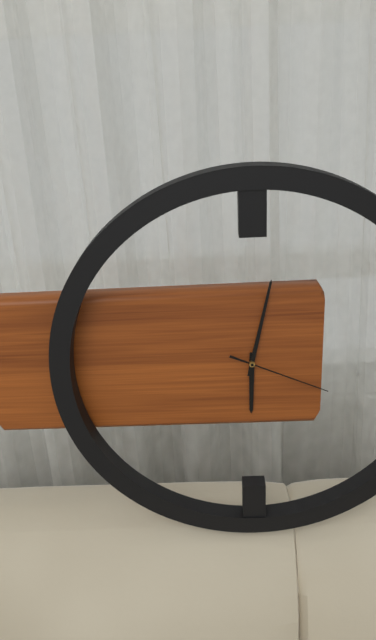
6:02:19
